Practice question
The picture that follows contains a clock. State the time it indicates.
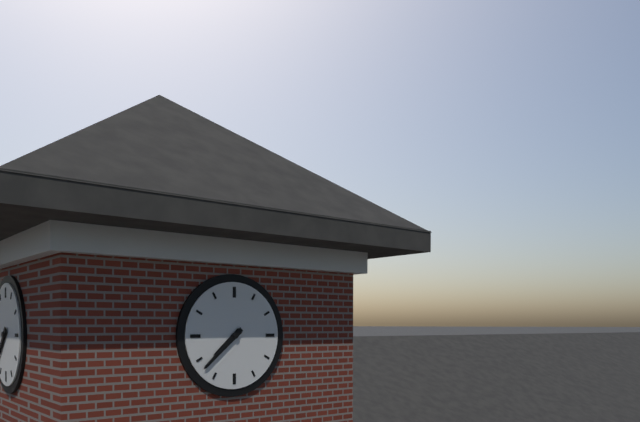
7:38
